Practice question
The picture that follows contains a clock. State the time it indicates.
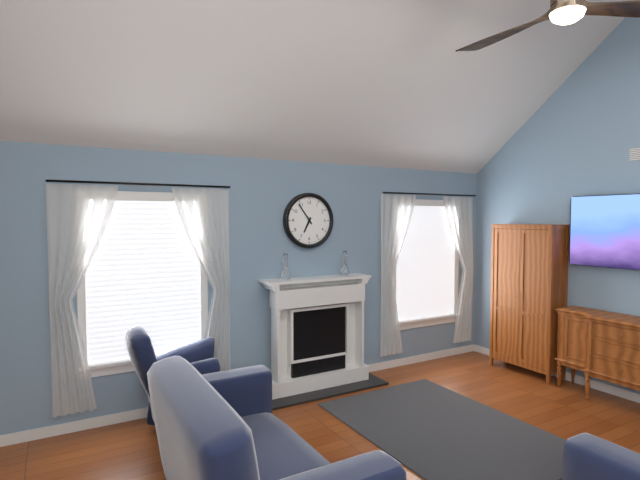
6:54
